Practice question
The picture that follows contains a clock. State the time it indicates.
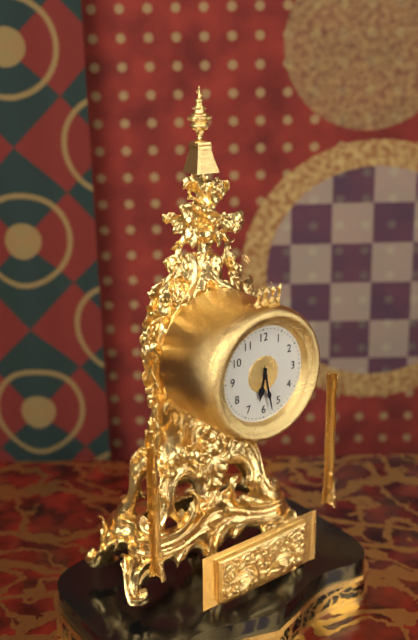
6:28
